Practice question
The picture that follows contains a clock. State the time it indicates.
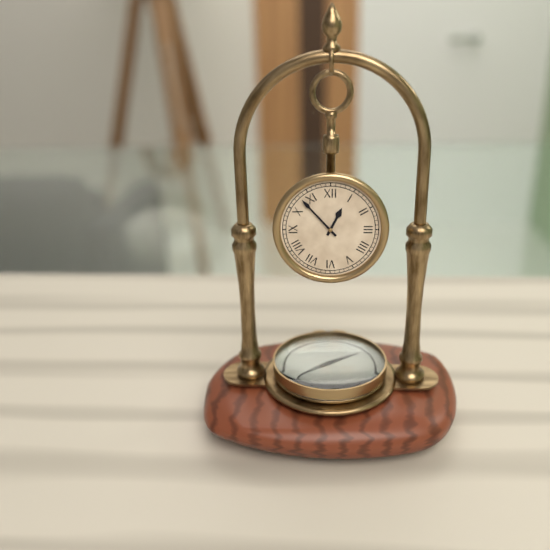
12:53
